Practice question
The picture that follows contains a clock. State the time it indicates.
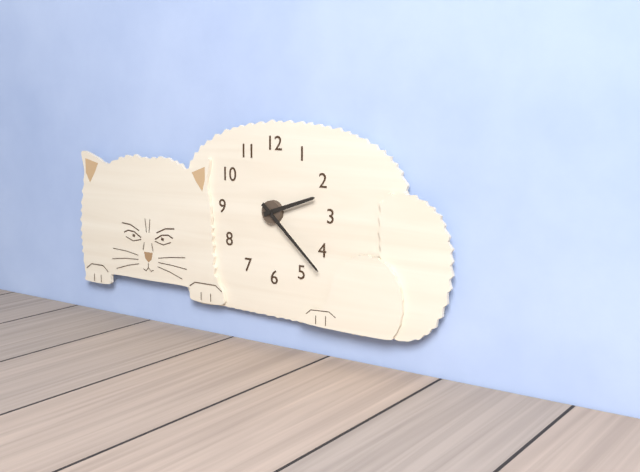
2:22
